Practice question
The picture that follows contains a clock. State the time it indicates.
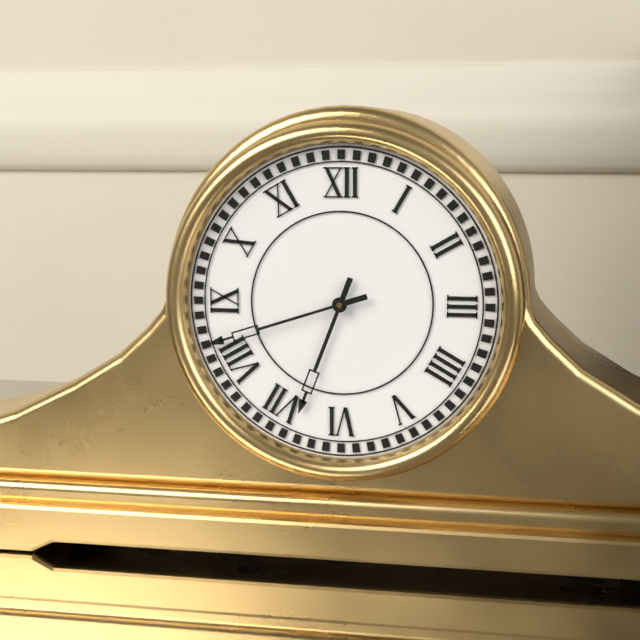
6:42
